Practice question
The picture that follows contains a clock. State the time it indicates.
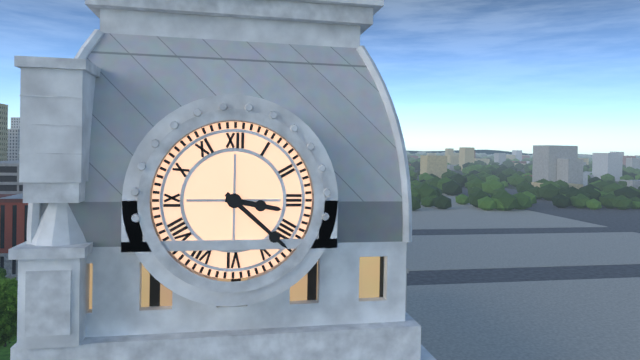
3:22
